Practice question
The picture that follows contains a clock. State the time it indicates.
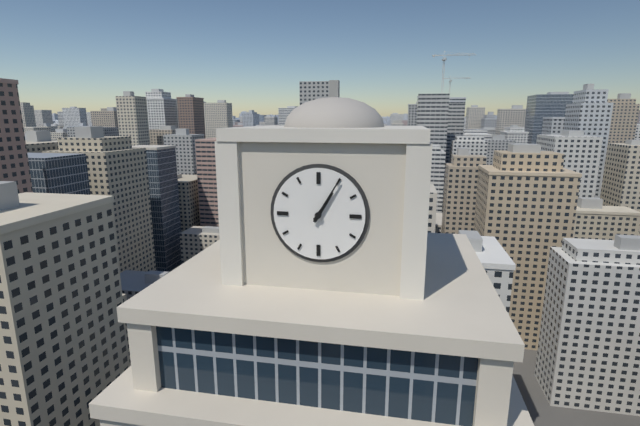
1:05
